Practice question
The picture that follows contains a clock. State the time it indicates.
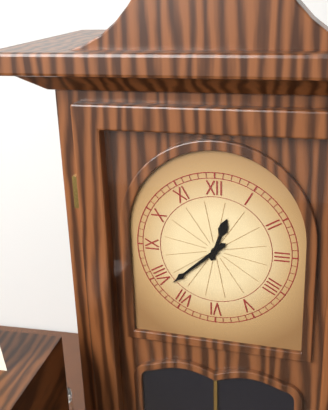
12:38
